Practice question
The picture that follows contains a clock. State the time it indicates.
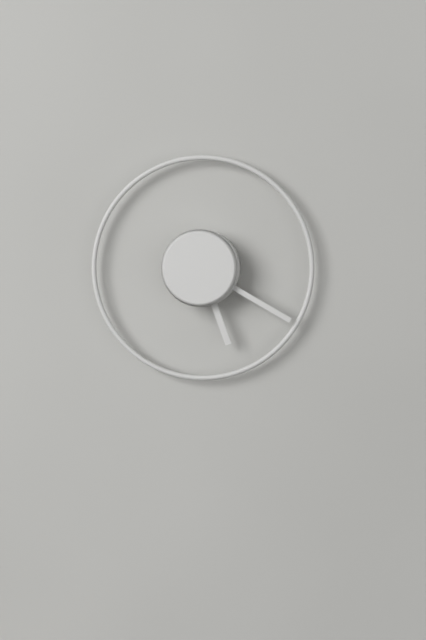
5:20
